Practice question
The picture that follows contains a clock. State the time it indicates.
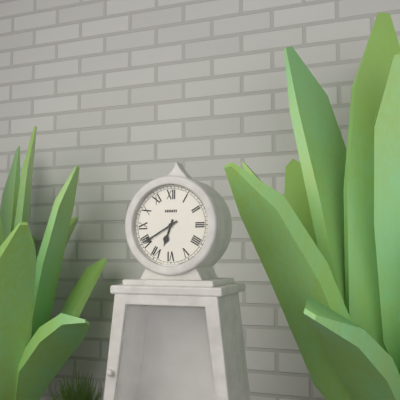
6:40
